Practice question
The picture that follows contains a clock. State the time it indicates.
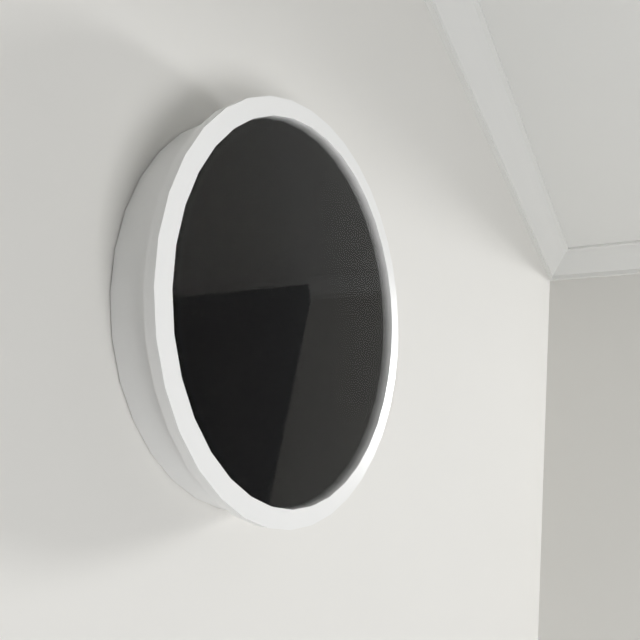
9:32
